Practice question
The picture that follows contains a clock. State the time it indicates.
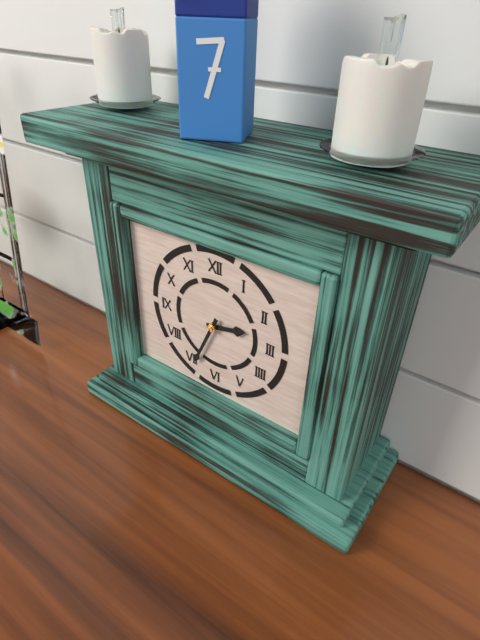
2:34
